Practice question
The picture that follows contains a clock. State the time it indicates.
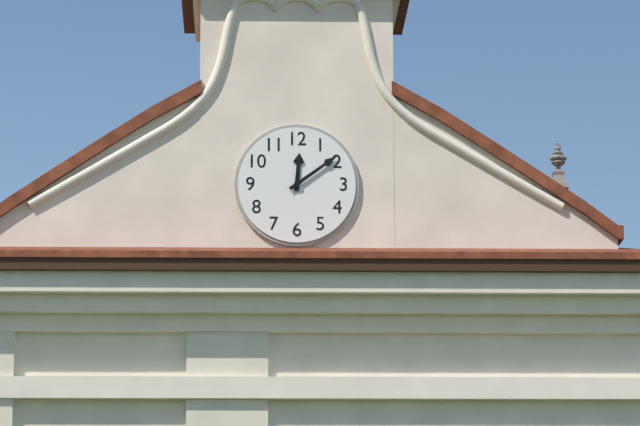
12:09
